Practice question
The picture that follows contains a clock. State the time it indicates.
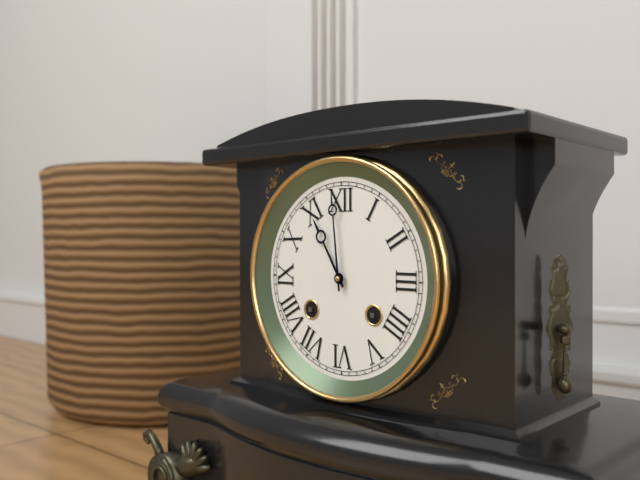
10:59
